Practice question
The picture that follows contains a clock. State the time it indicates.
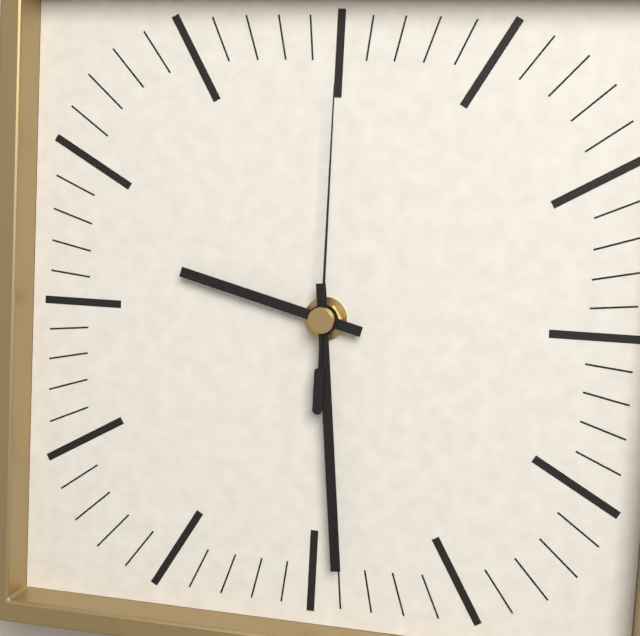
9:29:00
